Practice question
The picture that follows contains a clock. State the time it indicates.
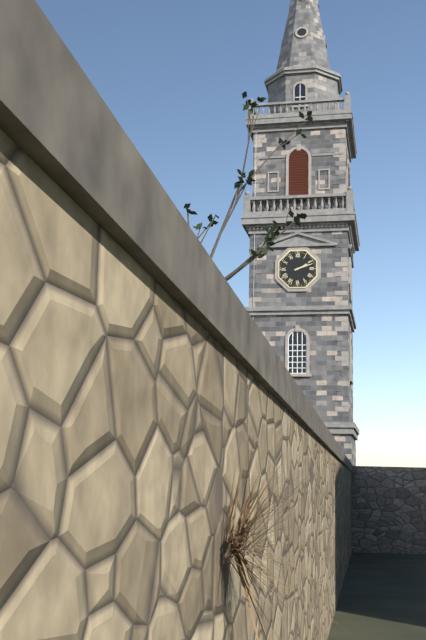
2:12
